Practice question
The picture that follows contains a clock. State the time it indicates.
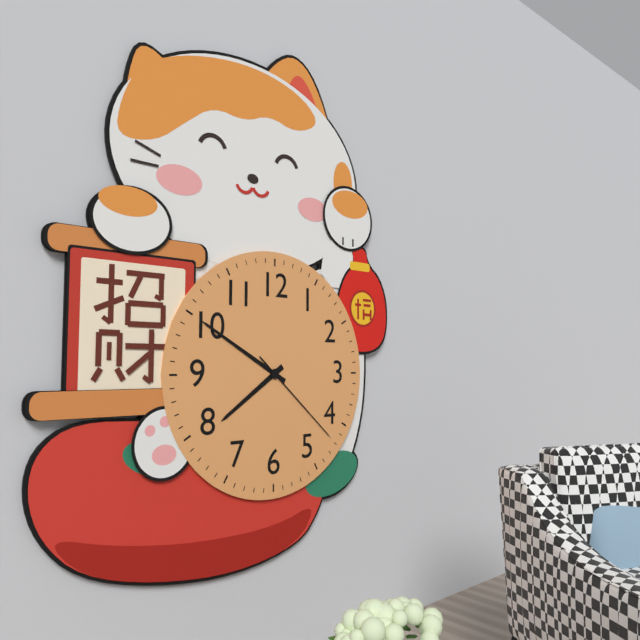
7:50:22
